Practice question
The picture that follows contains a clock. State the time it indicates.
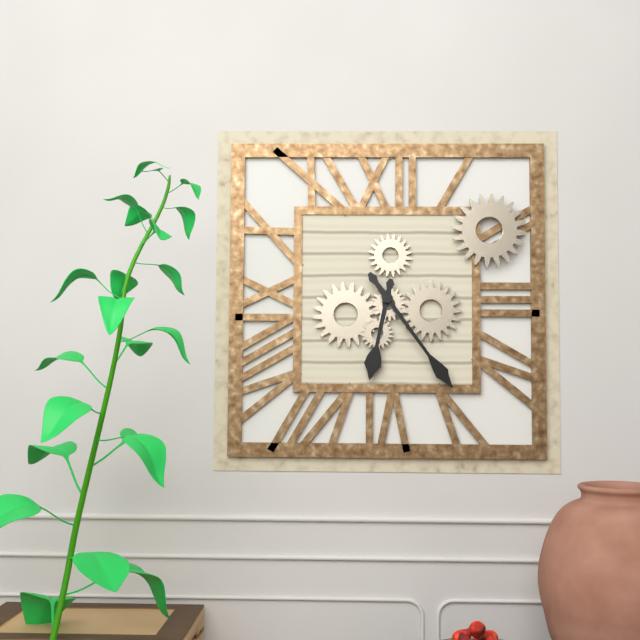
6:24
